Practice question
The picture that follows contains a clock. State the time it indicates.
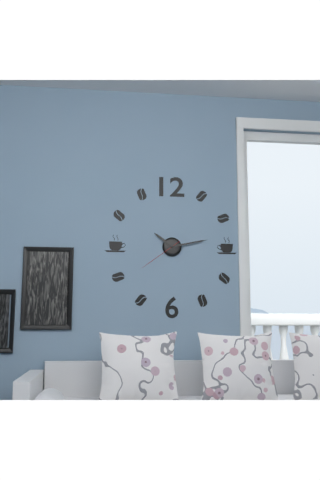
10:13
